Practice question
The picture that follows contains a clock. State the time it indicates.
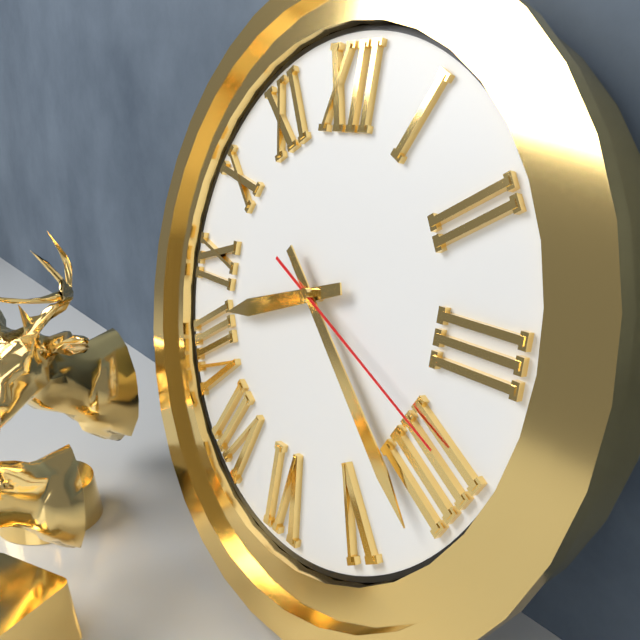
8:22:19
